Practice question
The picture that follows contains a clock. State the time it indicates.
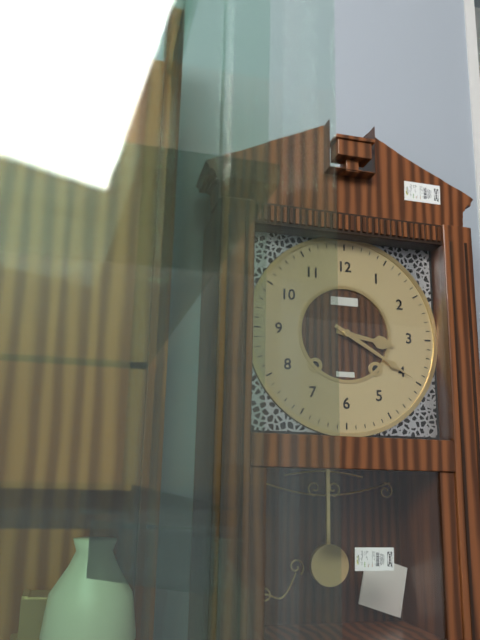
3:20
